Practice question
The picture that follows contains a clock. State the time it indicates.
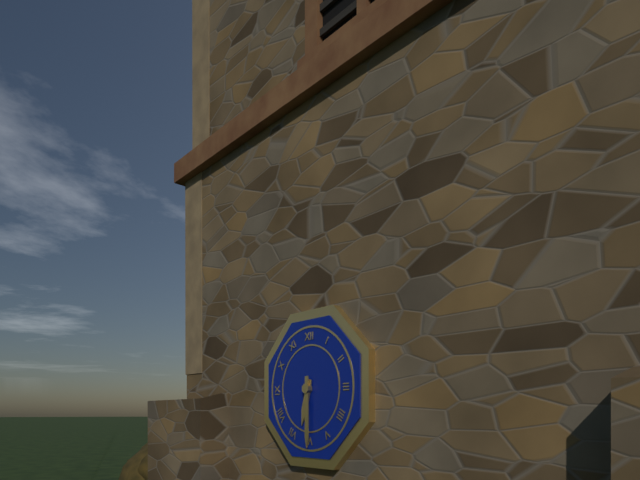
6:30
